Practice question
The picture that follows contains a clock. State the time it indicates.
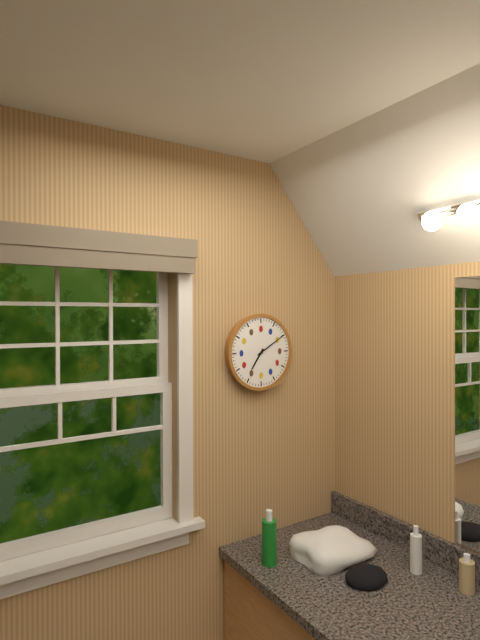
7:10
